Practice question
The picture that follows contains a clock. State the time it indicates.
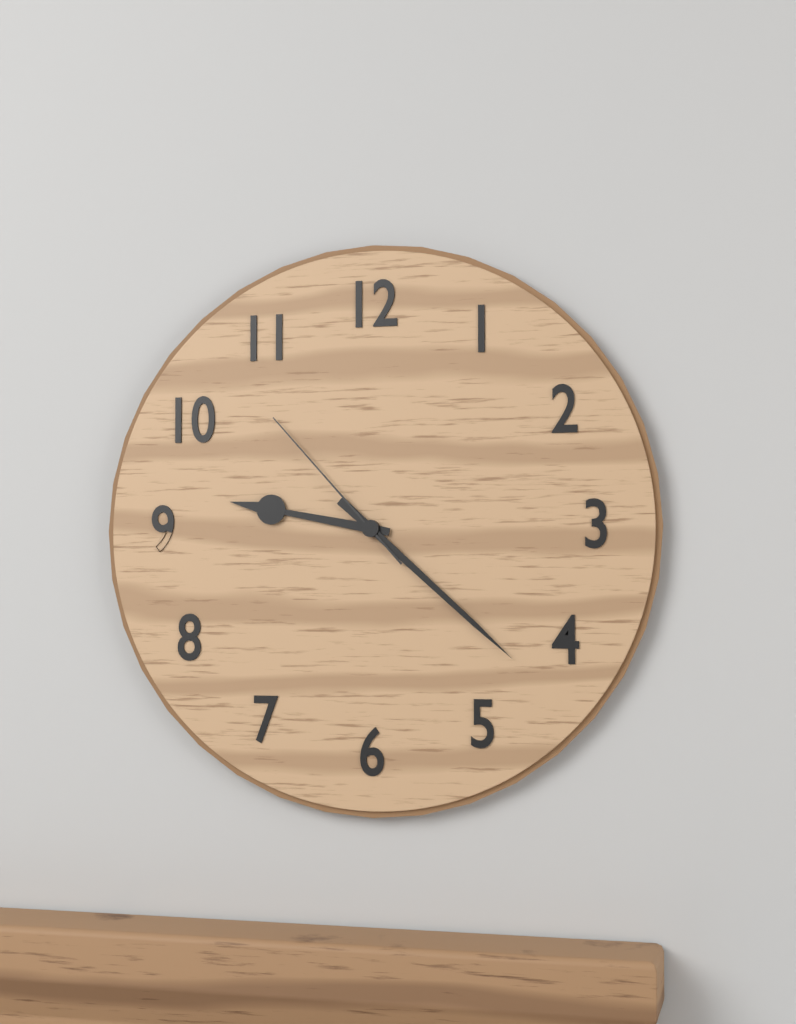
9:22:53
